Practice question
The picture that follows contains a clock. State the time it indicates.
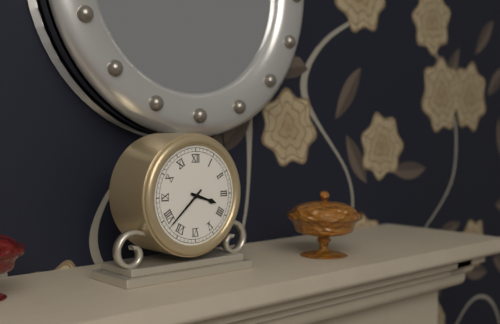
3:38
